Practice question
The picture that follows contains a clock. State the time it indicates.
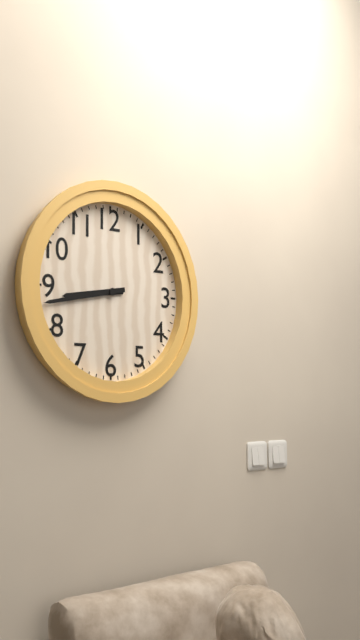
8:43
